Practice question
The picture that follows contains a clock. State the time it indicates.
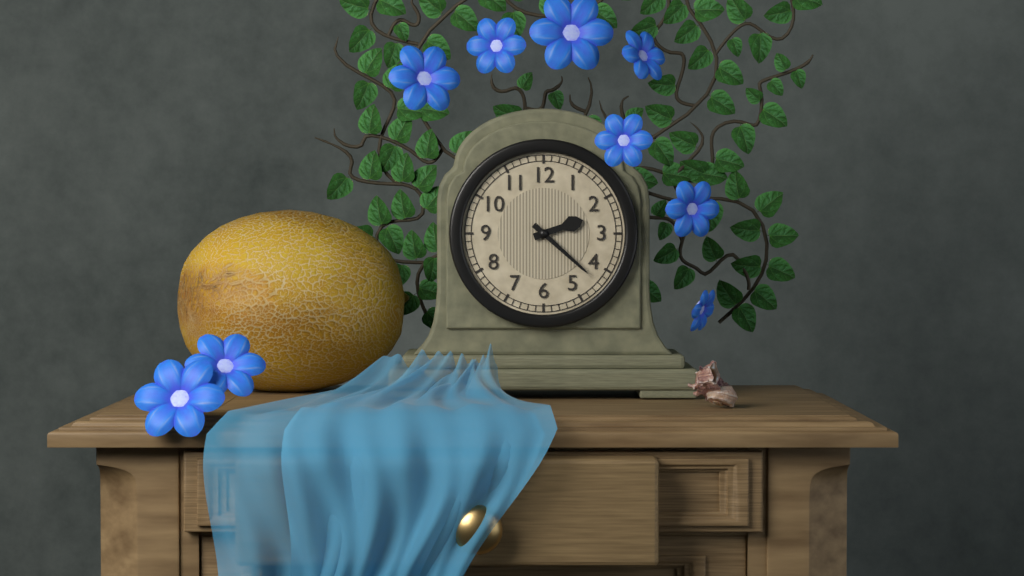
2:22
